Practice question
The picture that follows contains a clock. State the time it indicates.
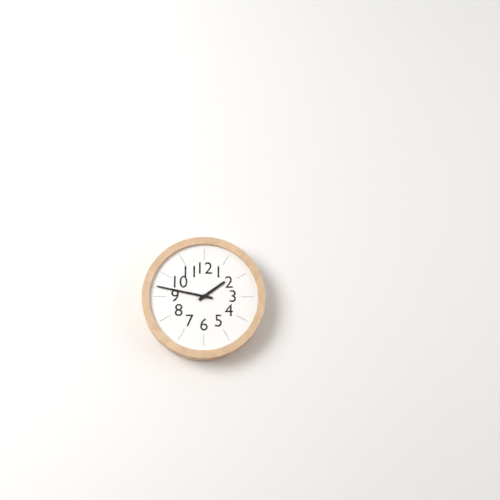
1:47
